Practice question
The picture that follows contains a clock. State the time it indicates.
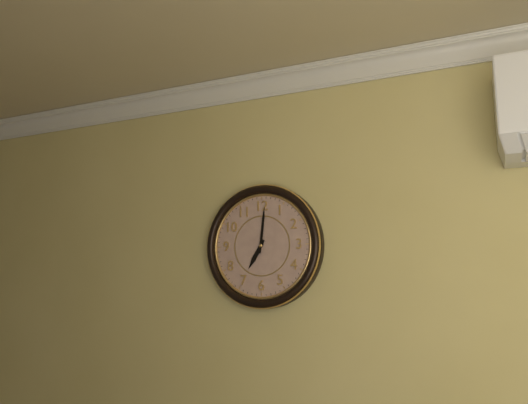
7:01
